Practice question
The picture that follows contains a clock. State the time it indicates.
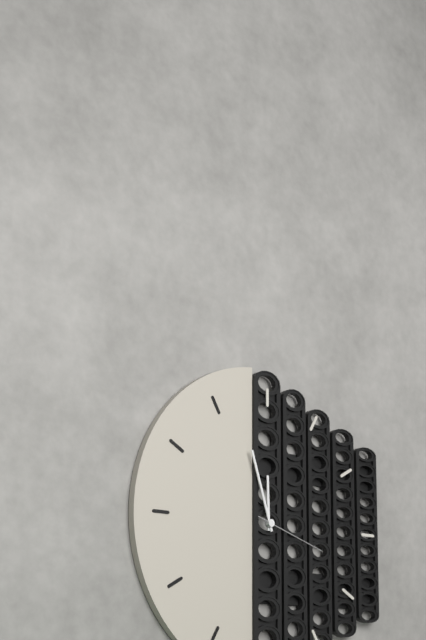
11:57:18
